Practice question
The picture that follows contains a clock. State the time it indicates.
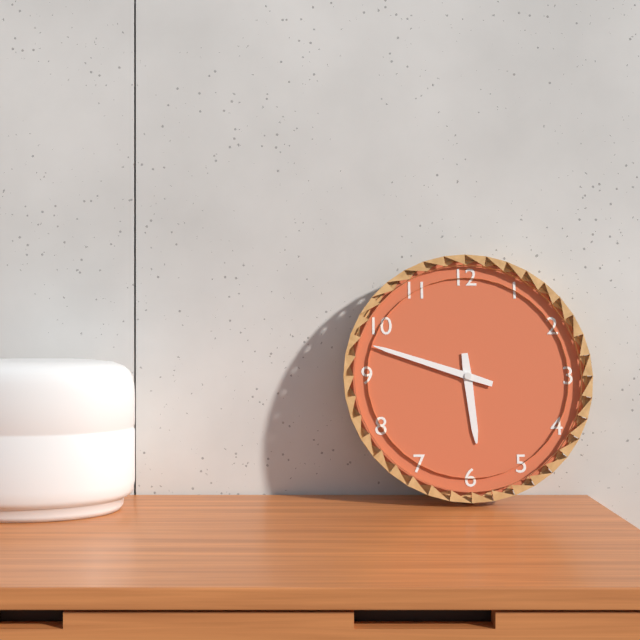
5:48
